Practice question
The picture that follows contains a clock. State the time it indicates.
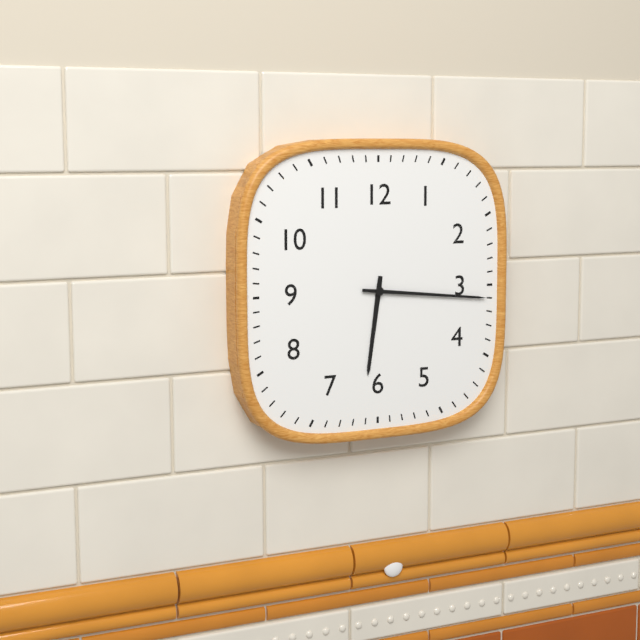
6:16
